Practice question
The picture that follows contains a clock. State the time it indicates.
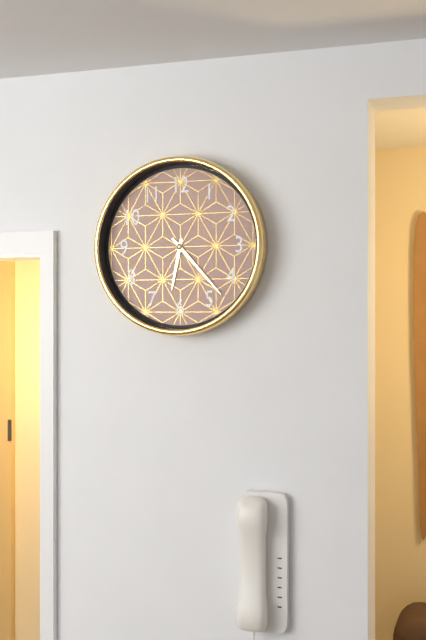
6:23
